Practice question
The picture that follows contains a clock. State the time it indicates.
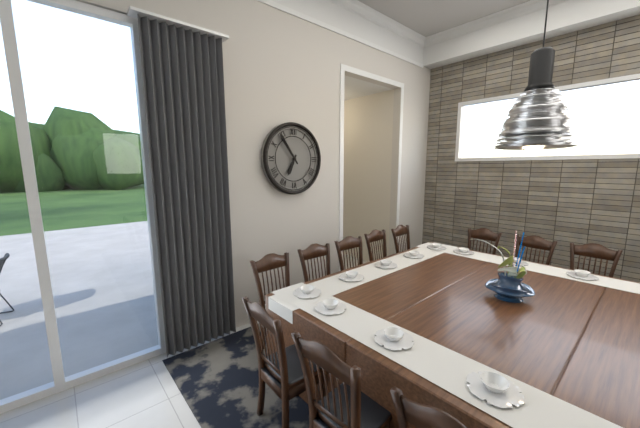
6:54
